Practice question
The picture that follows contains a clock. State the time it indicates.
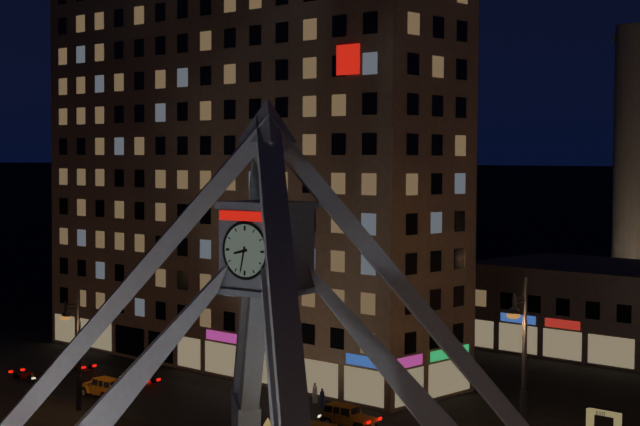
8:32
